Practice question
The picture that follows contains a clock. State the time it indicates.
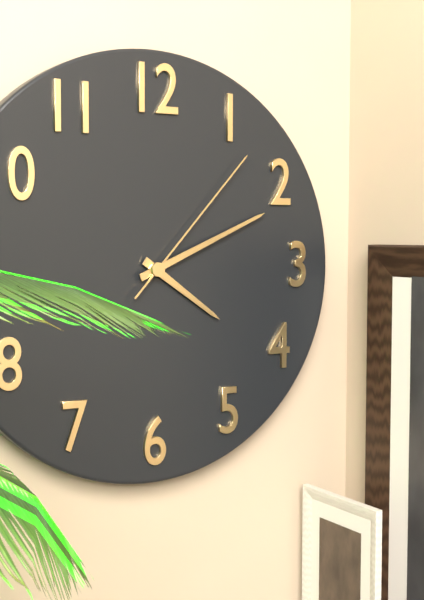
4:11:07
